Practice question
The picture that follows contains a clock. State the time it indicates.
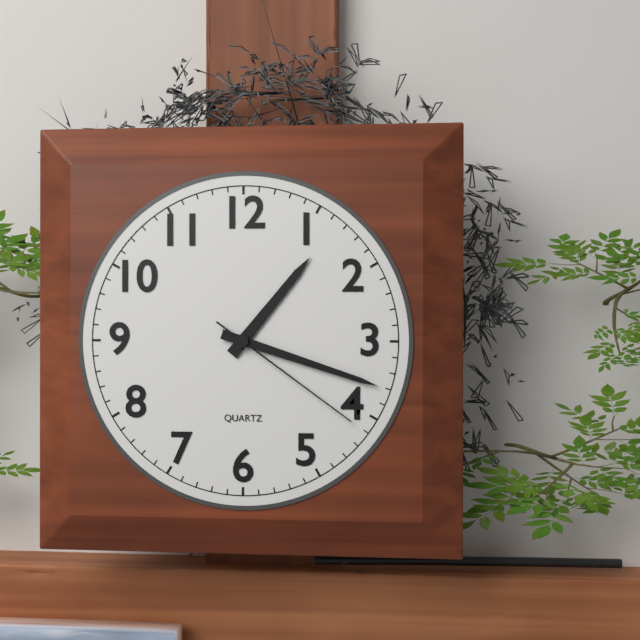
1:18:21
